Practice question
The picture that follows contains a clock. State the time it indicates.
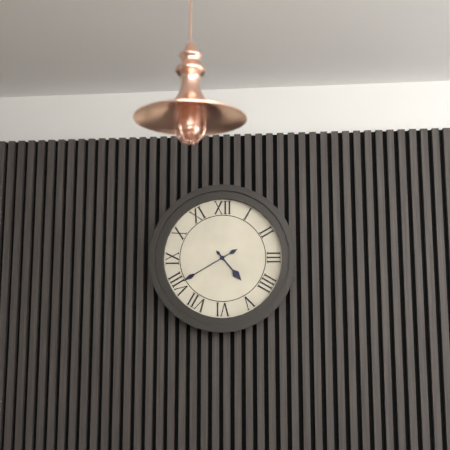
4:40
